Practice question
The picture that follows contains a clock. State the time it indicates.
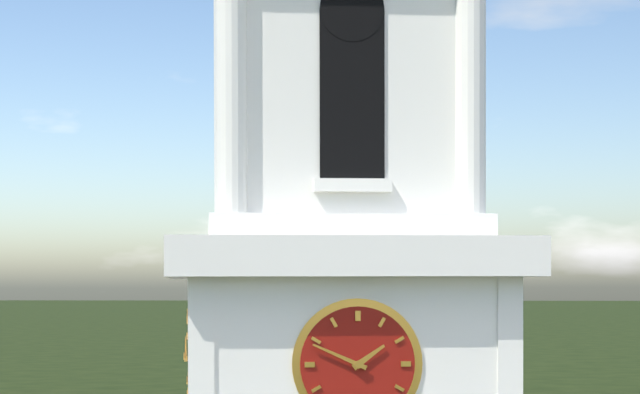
1:49
